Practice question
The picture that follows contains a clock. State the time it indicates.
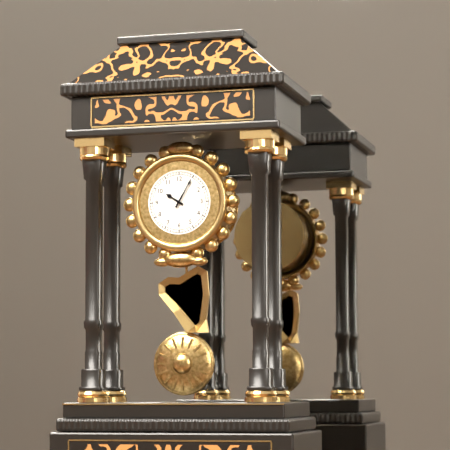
10:05
